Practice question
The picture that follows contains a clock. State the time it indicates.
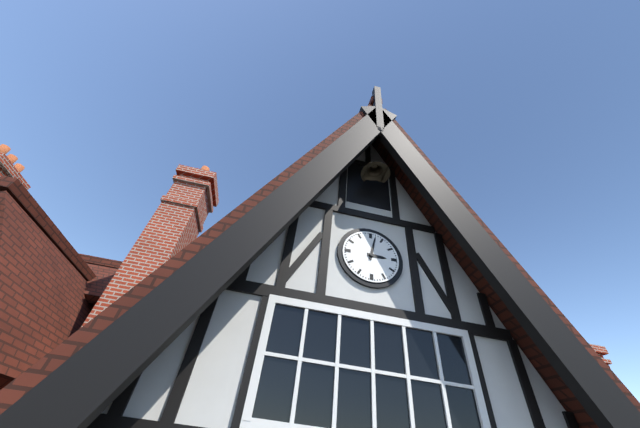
3:02
